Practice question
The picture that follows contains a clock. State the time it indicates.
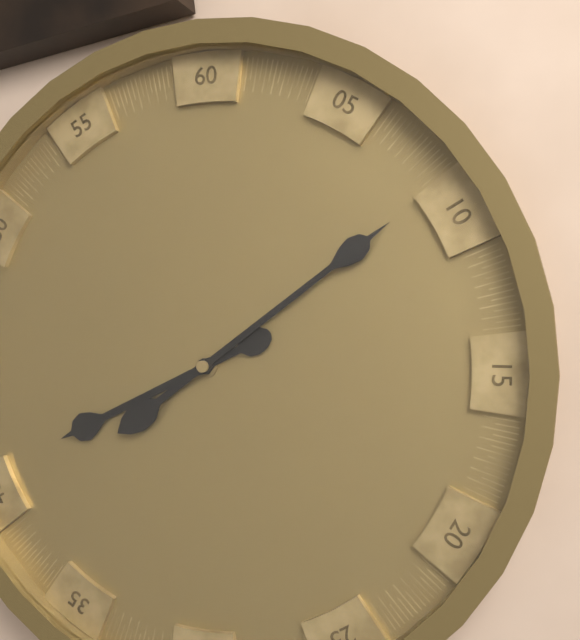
8:09
